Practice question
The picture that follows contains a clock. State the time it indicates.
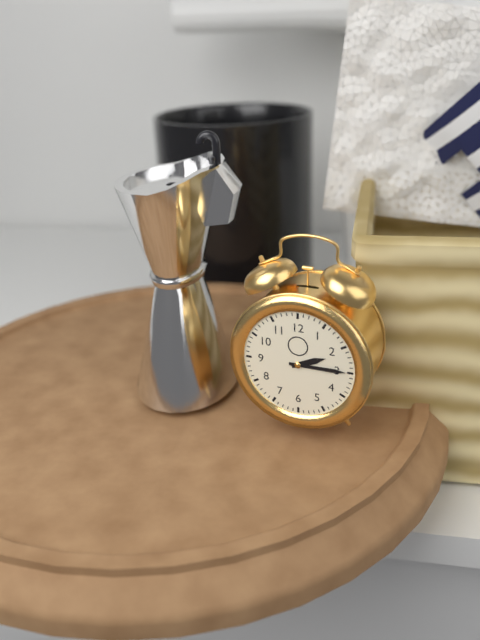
2:15
